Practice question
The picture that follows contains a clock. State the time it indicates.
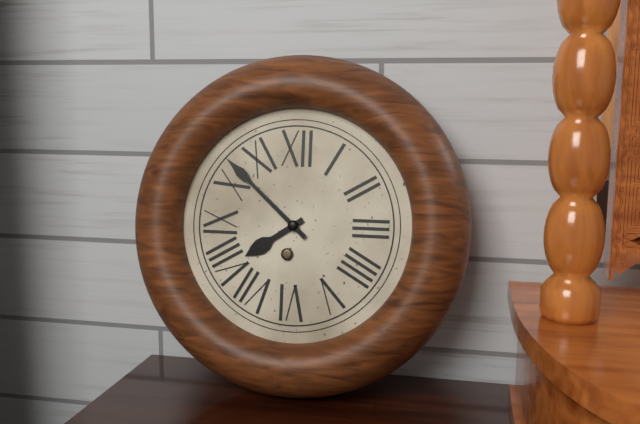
7:52
